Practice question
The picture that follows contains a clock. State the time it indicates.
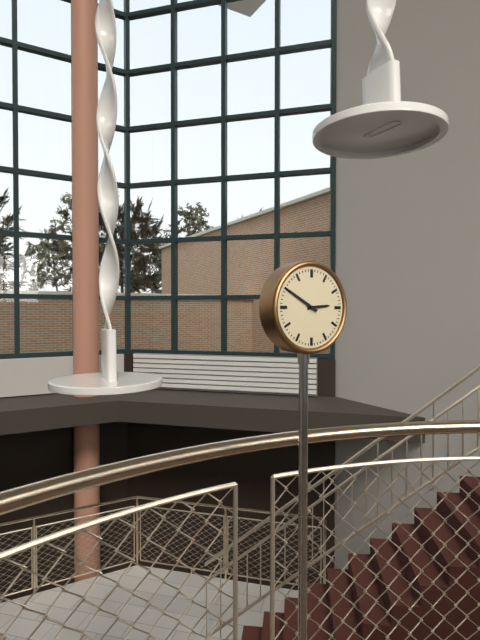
2:50
